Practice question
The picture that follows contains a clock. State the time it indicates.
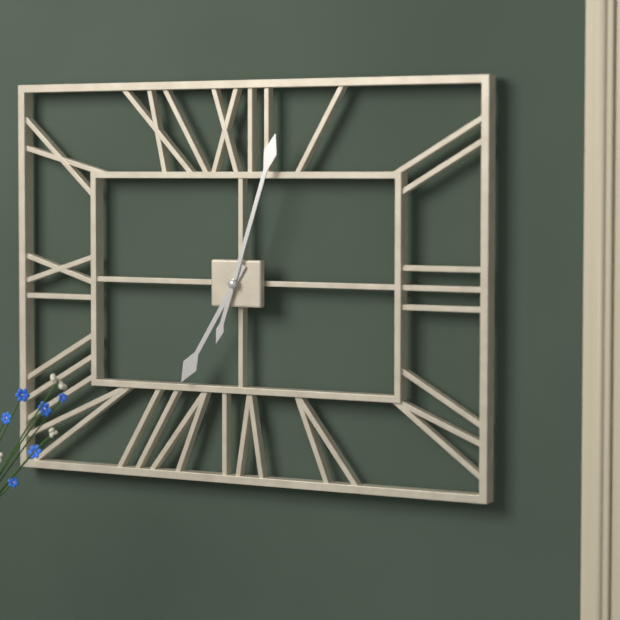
7:03
